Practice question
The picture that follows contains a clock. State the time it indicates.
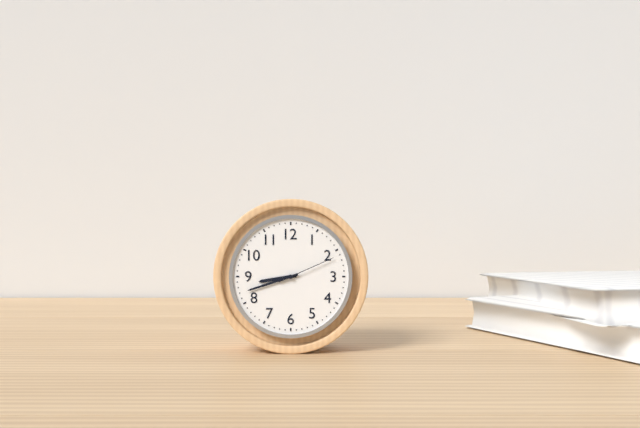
8:42:11
